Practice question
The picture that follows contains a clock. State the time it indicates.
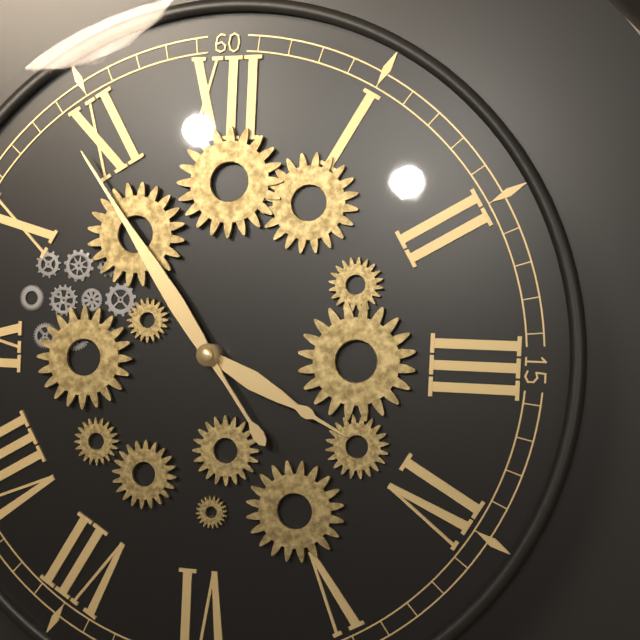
3:54
